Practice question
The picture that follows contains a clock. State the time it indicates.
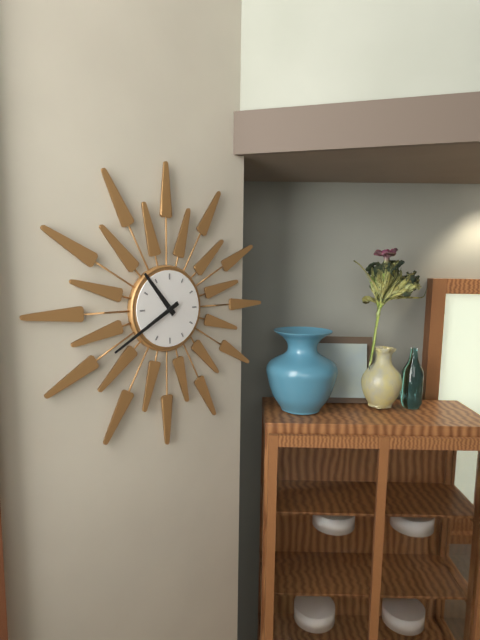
10:40
